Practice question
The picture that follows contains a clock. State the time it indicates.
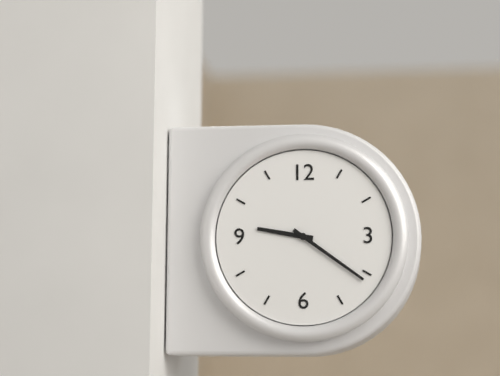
9:21
